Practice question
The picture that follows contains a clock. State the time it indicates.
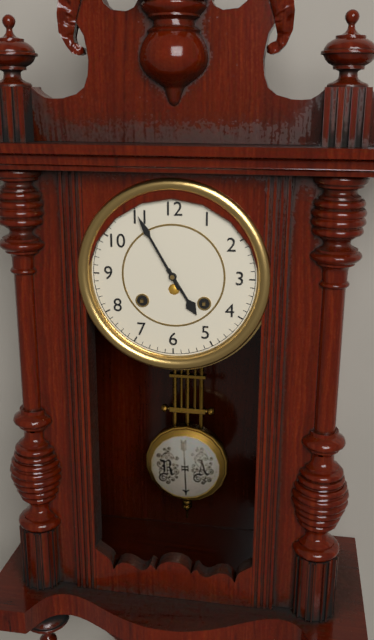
4:55
